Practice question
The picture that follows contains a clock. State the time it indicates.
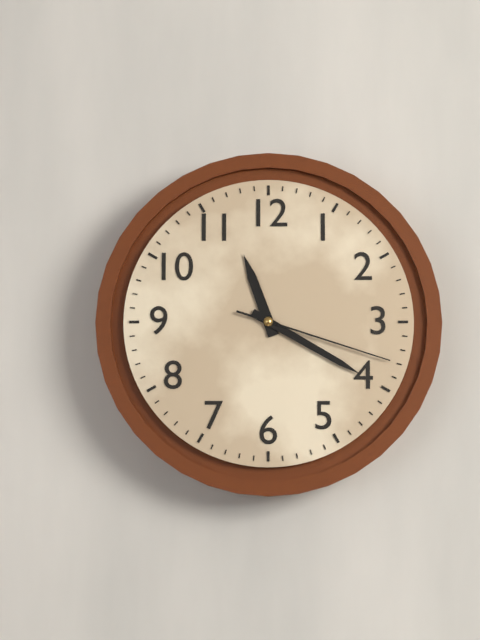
11:20:18
